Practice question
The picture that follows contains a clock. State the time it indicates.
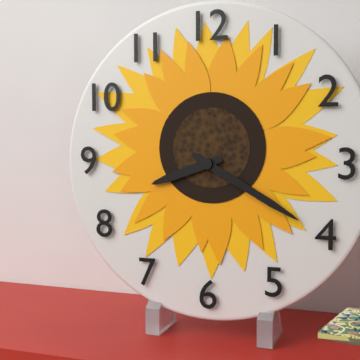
8:20
